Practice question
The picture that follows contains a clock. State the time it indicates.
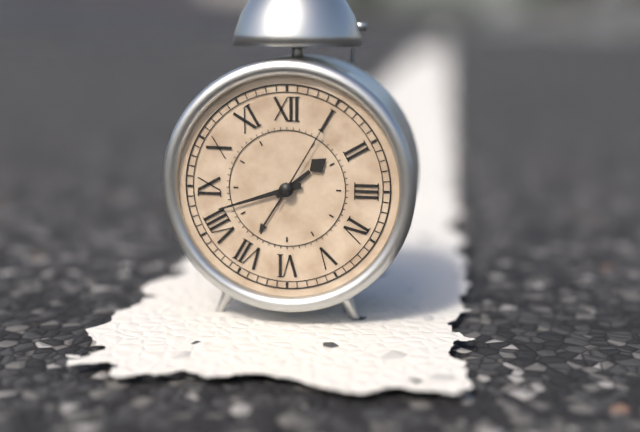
1:42:05
